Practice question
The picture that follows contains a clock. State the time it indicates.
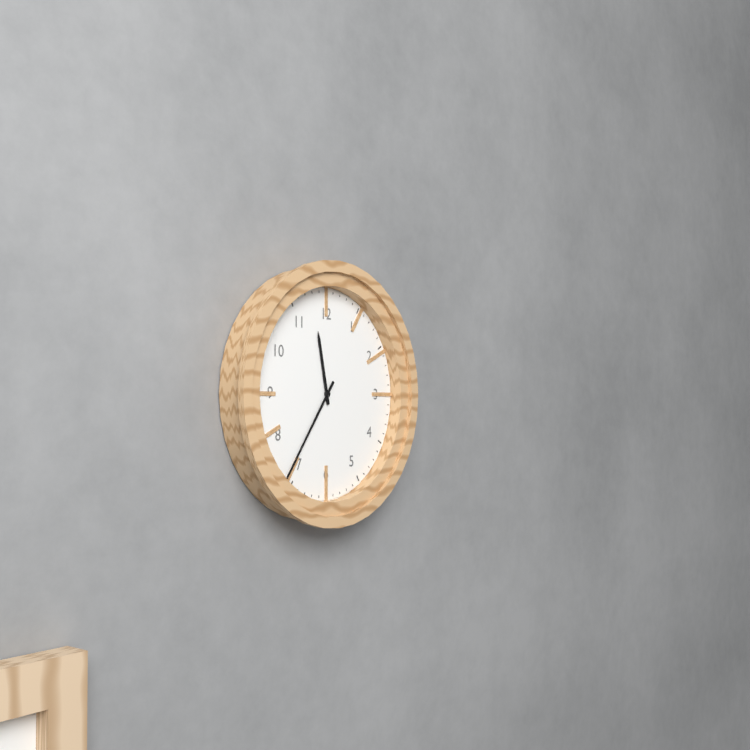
11:36
